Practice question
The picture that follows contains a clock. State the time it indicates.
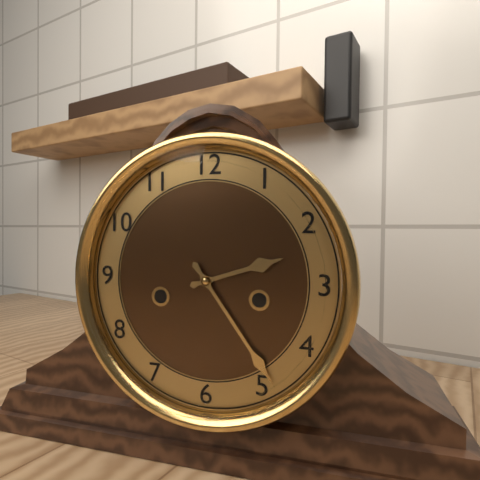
2:24
